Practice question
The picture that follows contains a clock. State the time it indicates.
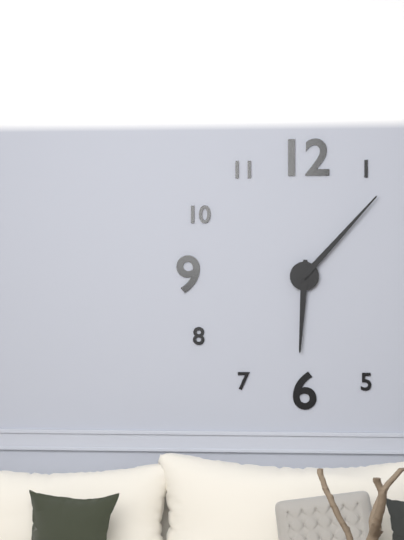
6:07
